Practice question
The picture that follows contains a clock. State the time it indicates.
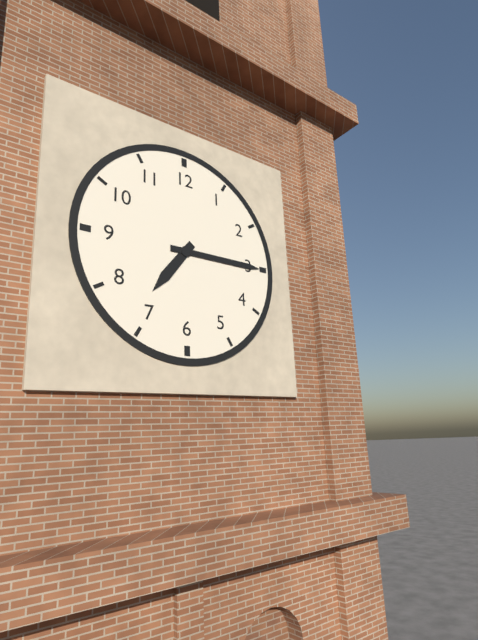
7:15
